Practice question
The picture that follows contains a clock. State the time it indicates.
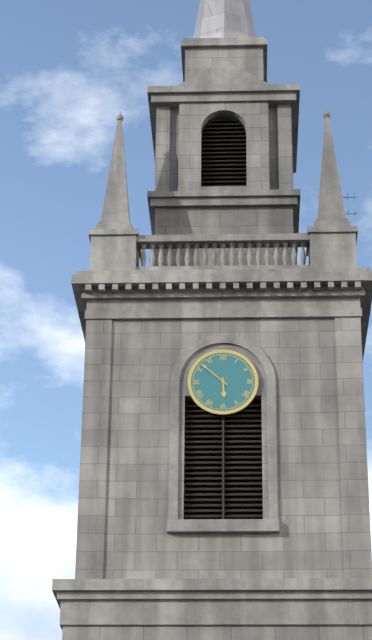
5:52
